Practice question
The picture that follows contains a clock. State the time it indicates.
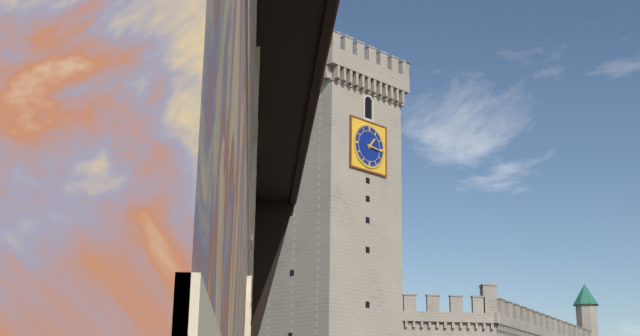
1:16
